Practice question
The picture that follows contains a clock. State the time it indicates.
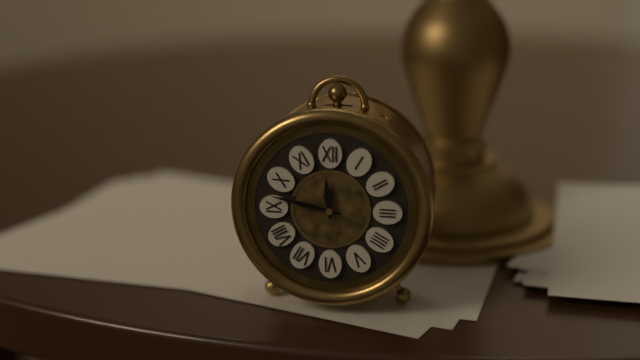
11:47
